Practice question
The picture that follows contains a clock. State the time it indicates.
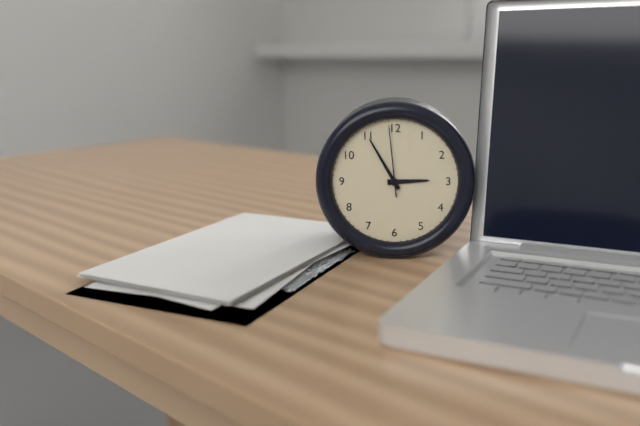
2:55:59
